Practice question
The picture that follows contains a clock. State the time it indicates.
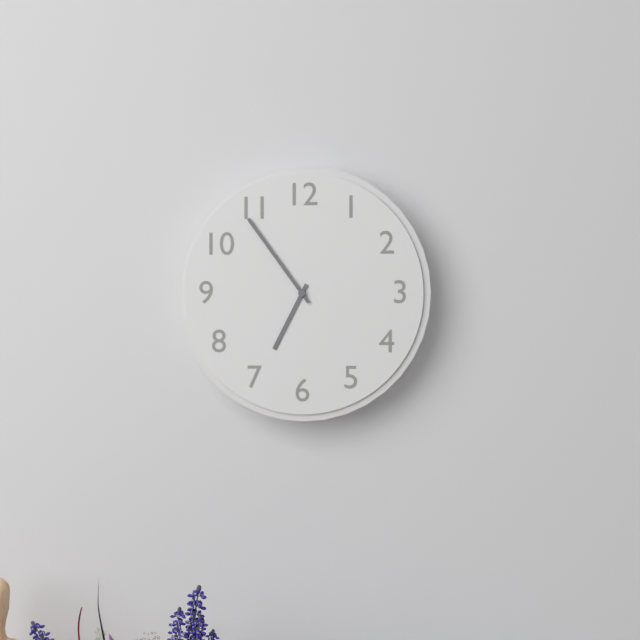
6:54
